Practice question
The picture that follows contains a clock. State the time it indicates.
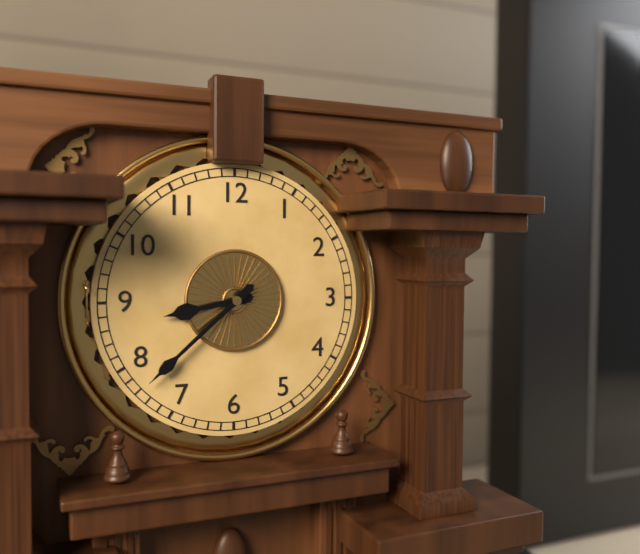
8:38
